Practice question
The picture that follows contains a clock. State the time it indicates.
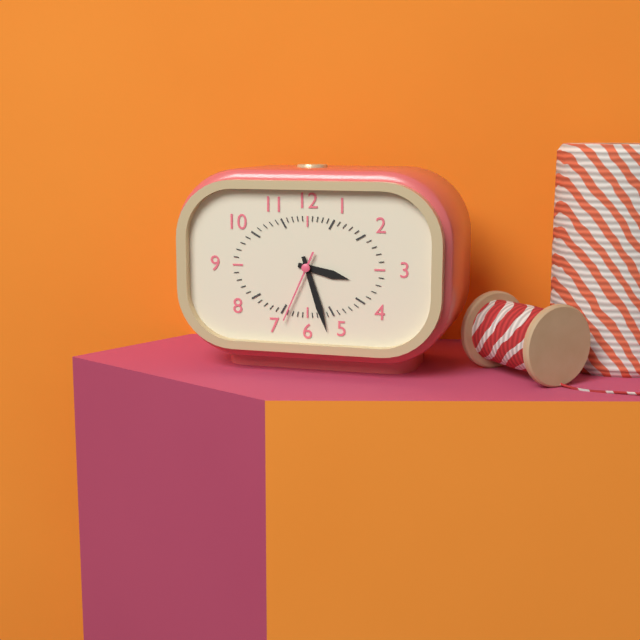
3:27:34
